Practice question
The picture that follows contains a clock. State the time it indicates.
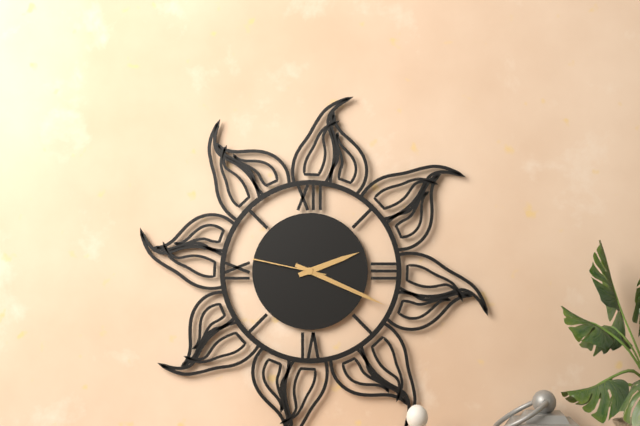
2:19:47
